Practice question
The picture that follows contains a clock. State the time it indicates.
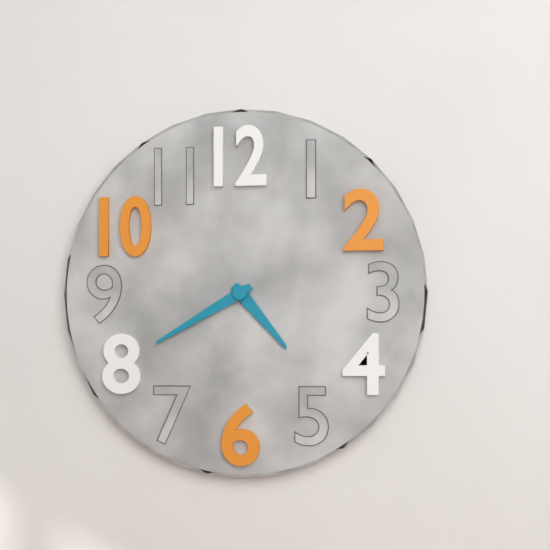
4:40
